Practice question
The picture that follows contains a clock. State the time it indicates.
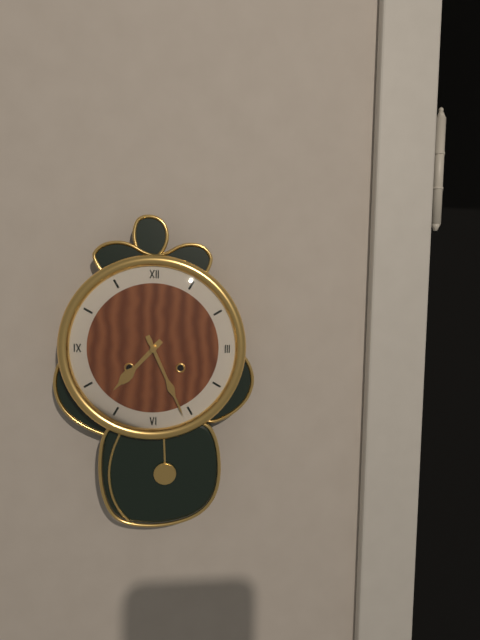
7:26
